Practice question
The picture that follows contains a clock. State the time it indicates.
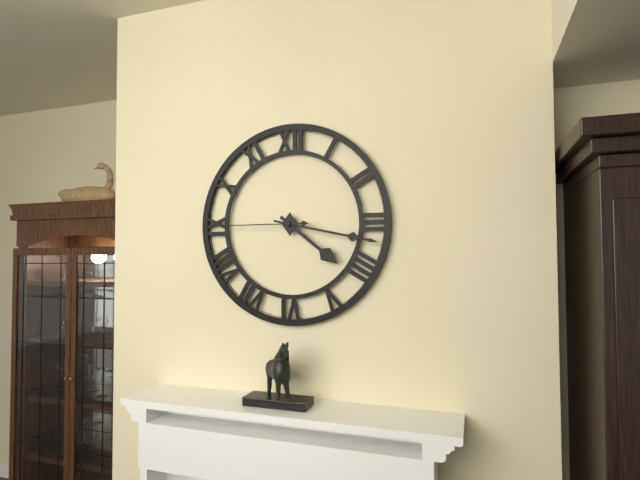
4:17:45
